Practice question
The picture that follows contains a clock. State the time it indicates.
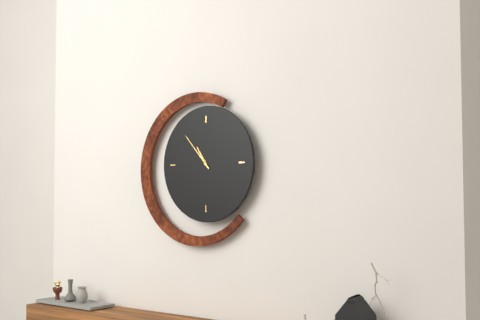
10:53
